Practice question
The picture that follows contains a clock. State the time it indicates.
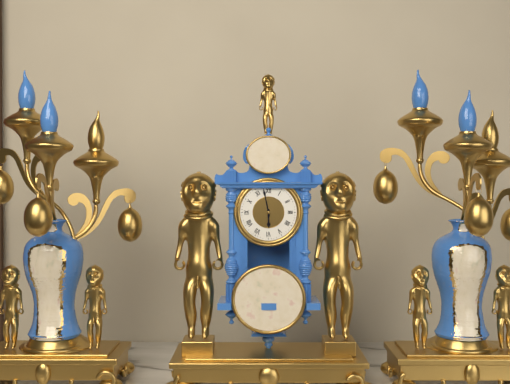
5:58
